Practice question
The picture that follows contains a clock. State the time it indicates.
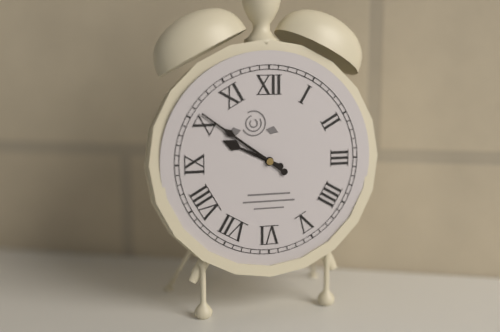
9:51
